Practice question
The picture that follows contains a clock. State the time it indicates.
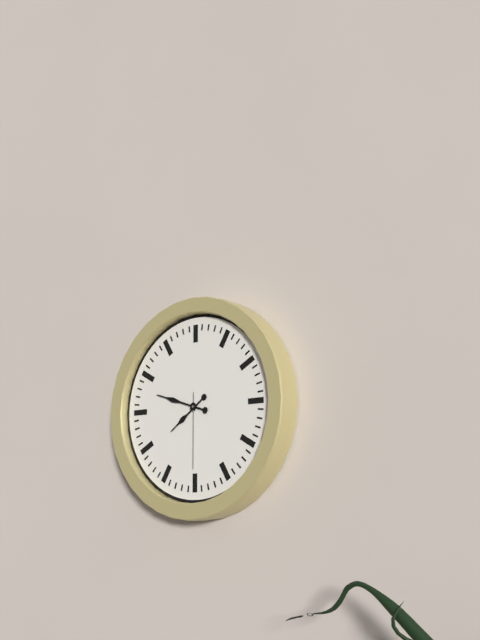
7:48:30
